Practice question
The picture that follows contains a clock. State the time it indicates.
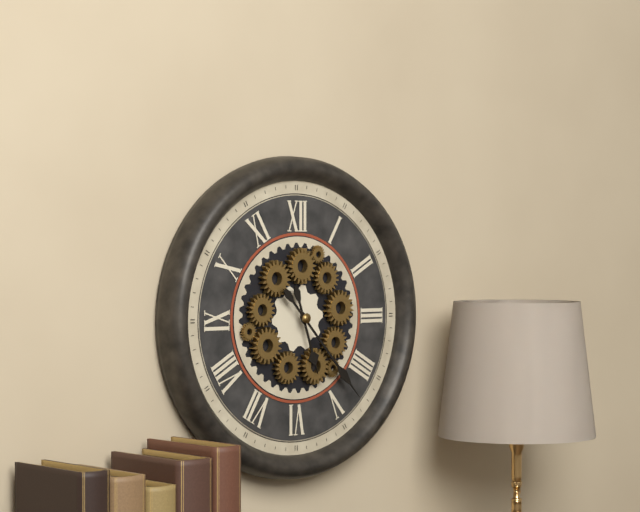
5:23
